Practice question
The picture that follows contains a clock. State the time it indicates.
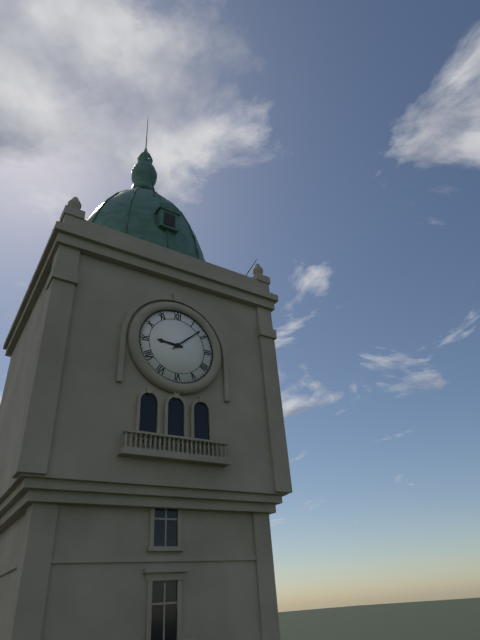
9:08
